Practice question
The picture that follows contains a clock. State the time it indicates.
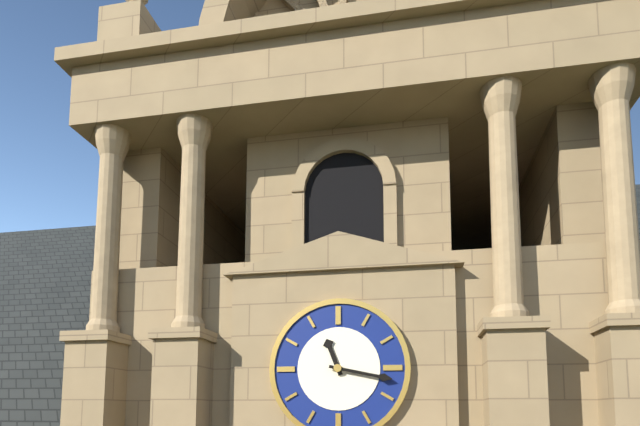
11:17
